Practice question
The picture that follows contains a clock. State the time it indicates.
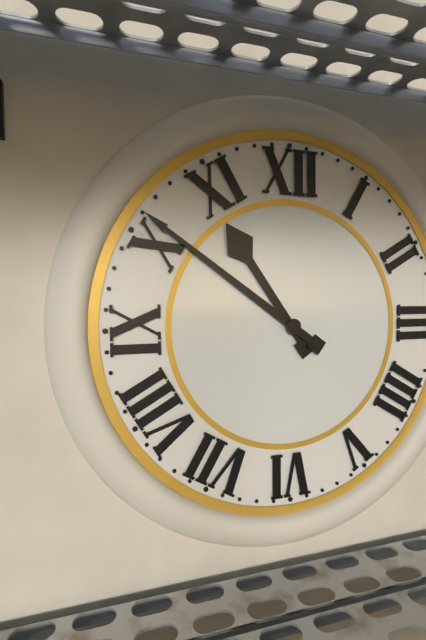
10:51
